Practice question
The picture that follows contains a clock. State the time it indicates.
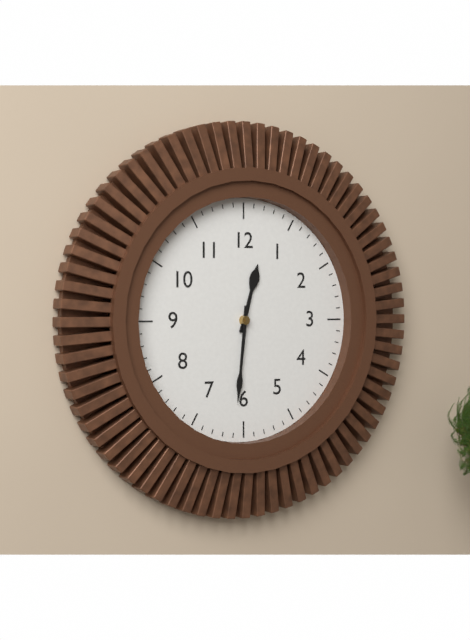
12:31
